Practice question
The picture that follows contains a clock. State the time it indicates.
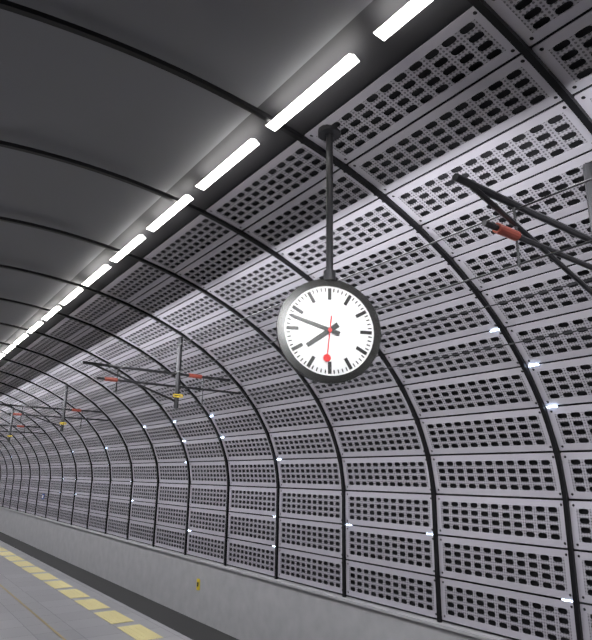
7:48
